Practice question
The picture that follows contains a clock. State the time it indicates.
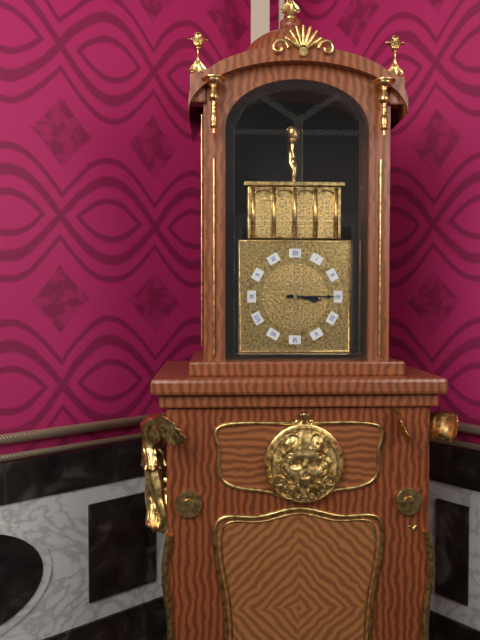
3:15
